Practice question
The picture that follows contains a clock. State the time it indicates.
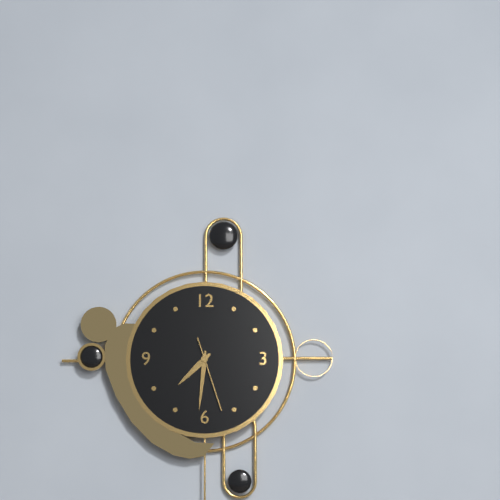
7:31:27
